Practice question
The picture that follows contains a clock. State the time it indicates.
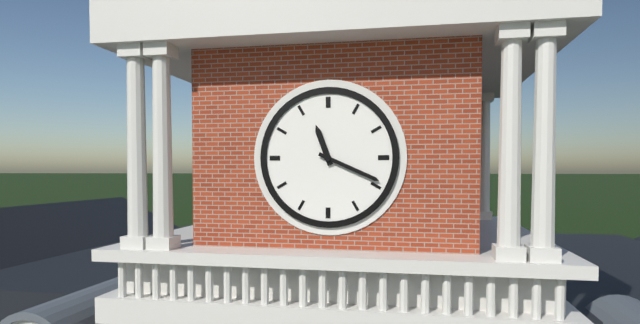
11:19
